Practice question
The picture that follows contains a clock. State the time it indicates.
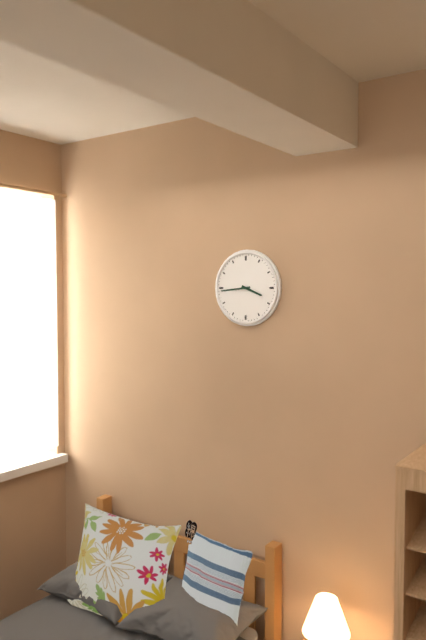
3:44
